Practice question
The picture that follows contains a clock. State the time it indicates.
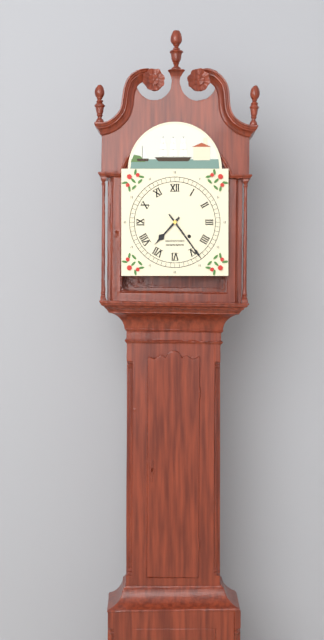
7:24
